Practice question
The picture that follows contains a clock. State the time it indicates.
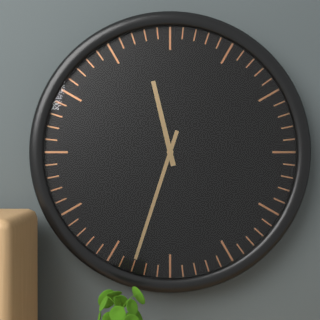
11:33
